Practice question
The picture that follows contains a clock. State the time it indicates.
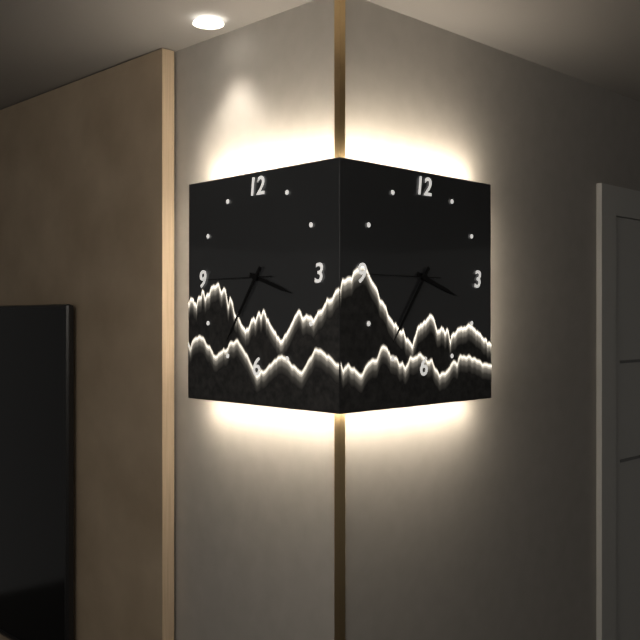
3:36:45
